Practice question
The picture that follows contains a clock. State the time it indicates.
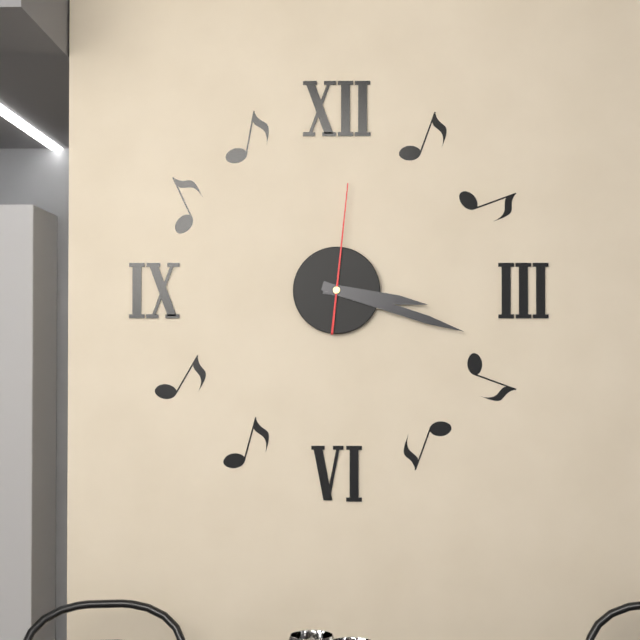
3:18:01
